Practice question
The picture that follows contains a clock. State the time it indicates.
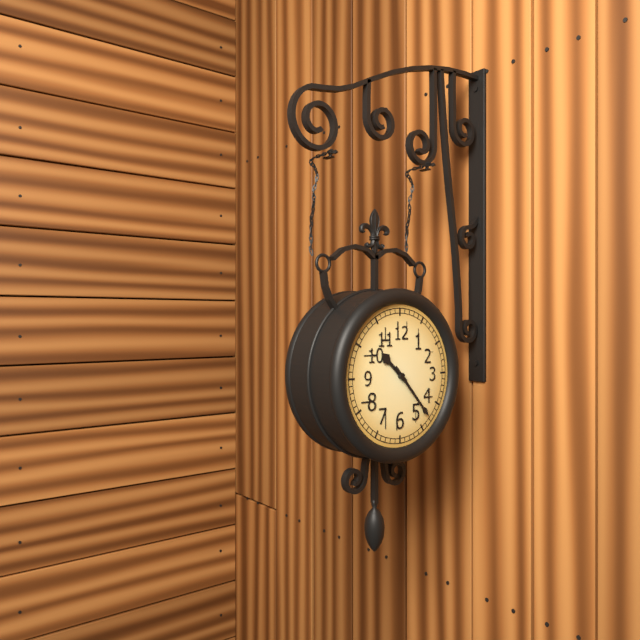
10:23
